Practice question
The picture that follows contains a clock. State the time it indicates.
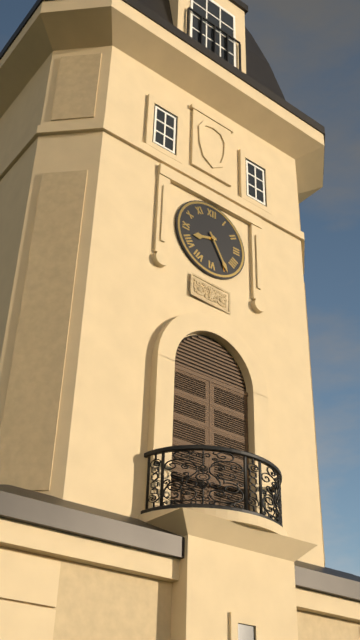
8:25
